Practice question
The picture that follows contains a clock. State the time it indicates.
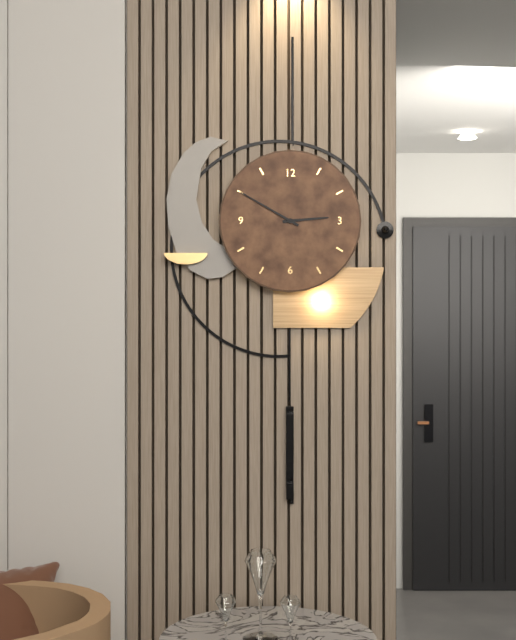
2:50
